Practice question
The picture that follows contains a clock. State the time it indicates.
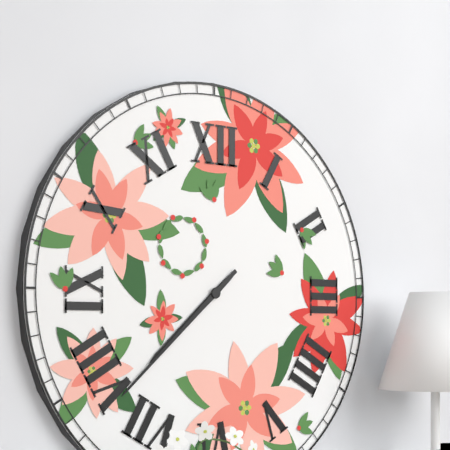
7:38
